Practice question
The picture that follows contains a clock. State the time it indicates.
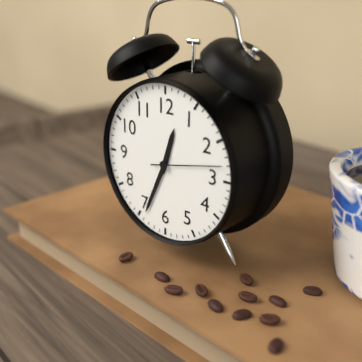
12:34:13
